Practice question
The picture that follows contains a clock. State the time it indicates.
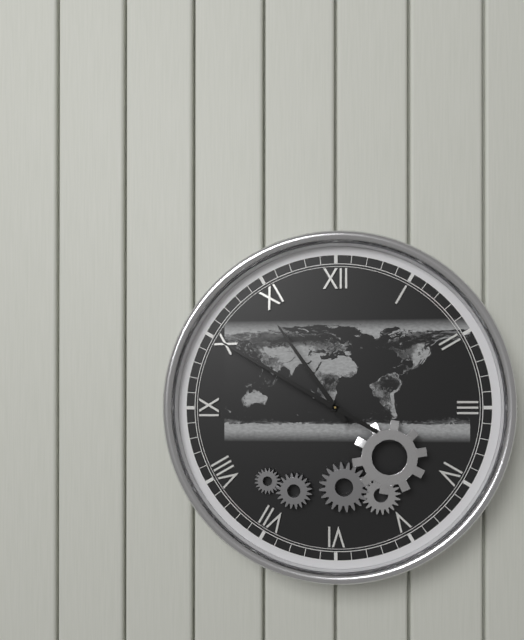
10:50
